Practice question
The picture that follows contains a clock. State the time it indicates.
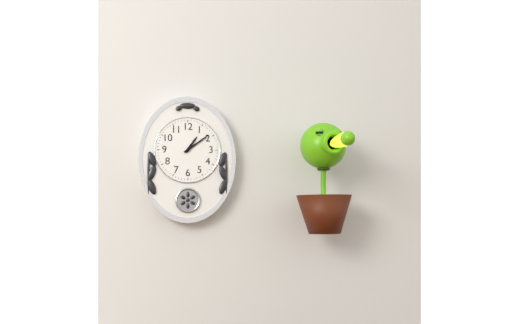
1:09
